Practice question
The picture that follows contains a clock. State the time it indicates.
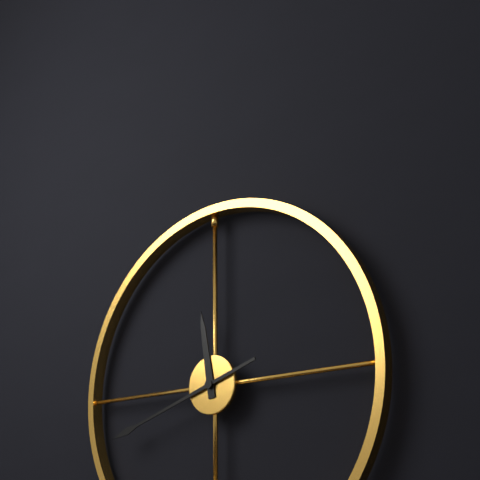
11:42
